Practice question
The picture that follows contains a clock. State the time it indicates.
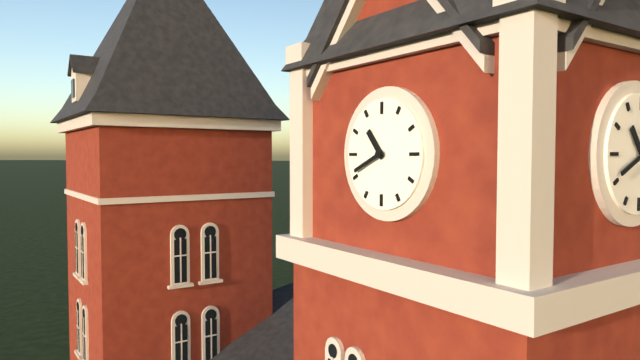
10:41
